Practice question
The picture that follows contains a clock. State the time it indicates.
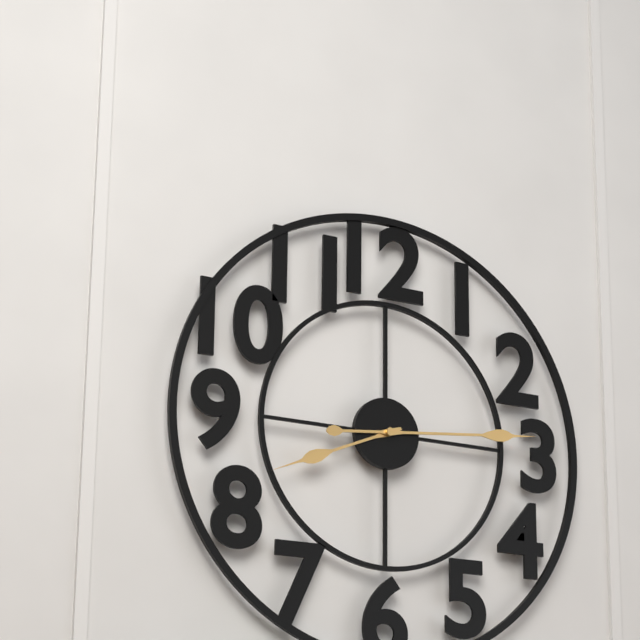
8:14
